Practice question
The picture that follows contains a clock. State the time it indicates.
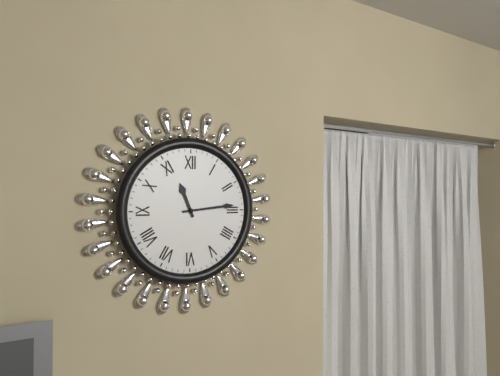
11:14
